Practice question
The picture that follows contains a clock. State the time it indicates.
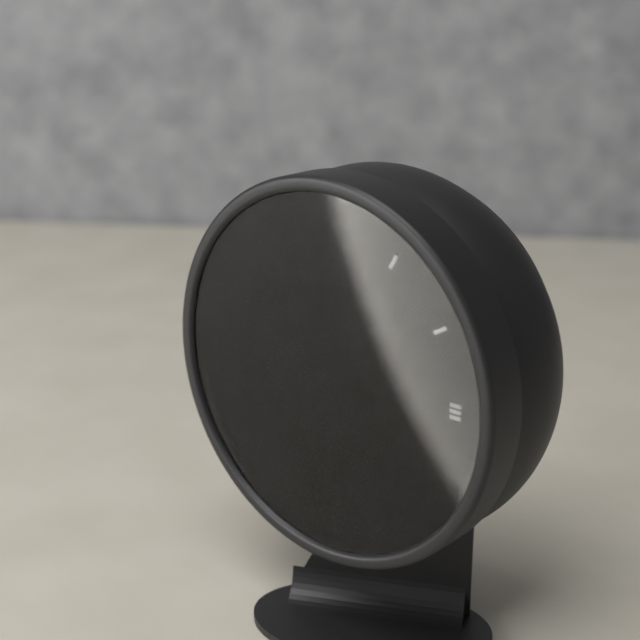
6:48:24
